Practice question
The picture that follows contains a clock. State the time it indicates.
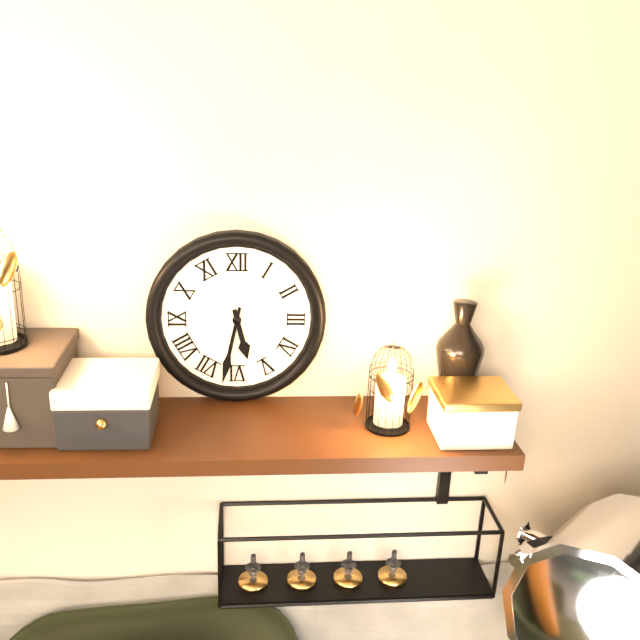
5:32
